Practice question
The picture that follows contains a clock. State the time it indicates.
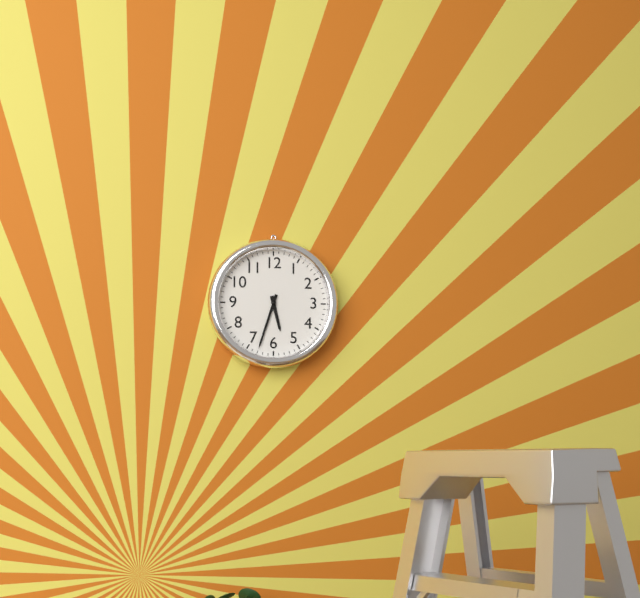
5:33
